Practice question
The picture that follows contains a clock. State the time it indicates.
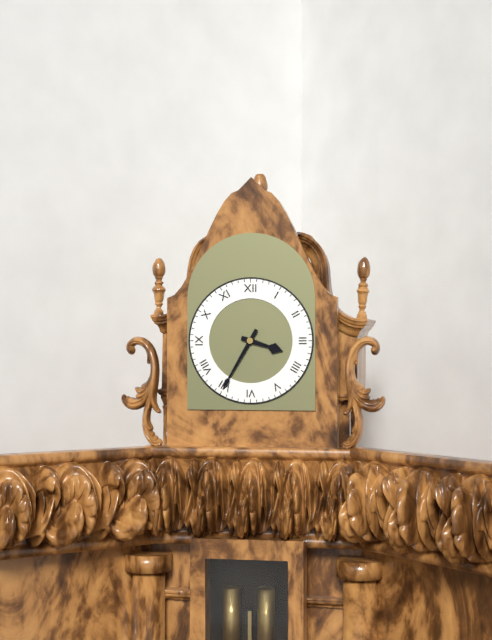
3:35
